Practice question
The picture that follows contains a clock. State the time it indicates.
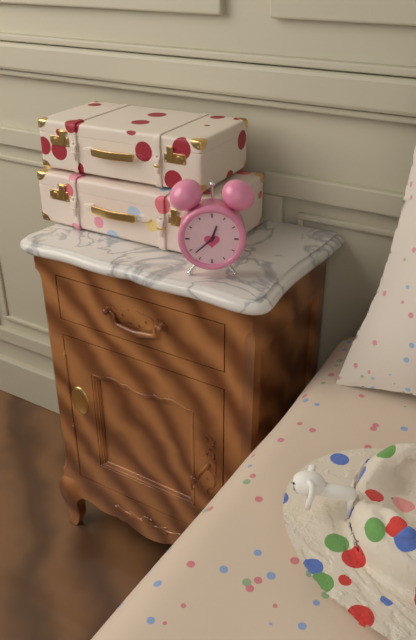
12:38
